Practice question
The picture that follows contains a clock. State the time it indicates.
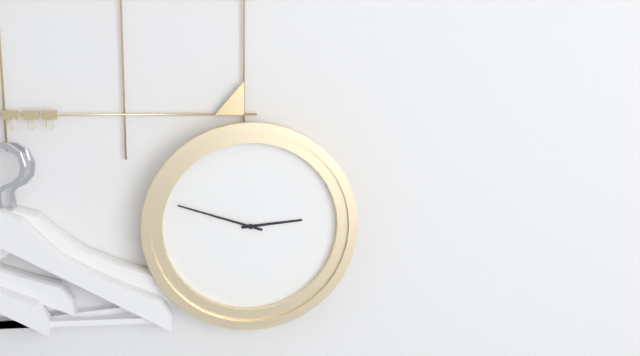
2:48
